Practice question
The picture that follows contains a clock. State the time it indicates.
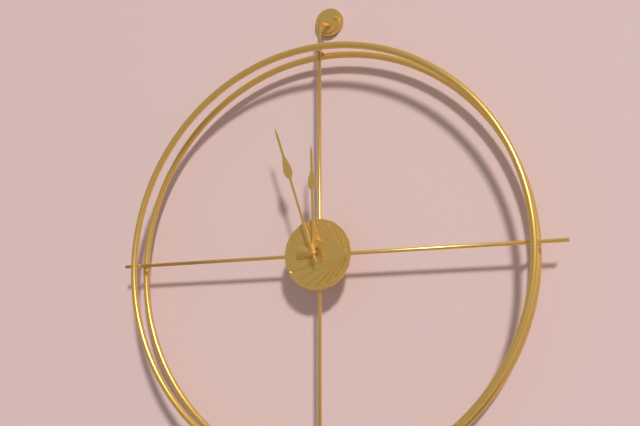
11:57
